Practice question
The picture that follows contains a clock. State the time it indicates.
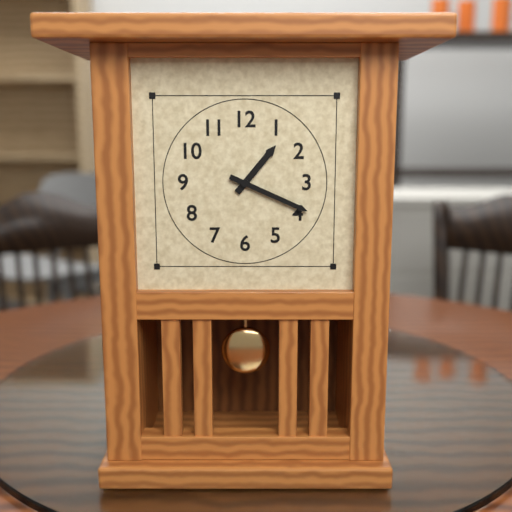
1:19
